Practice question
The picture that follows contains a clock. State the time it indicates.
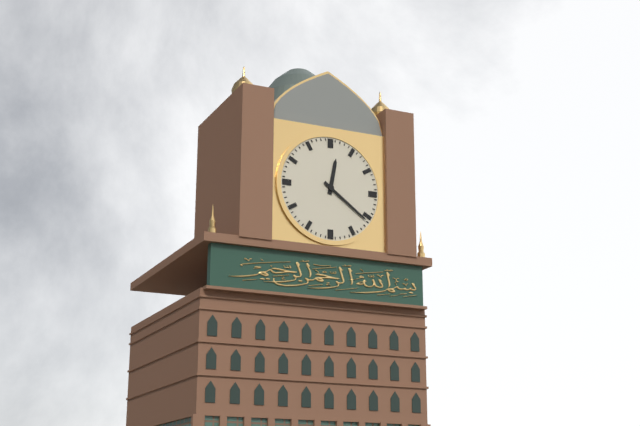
12:21
